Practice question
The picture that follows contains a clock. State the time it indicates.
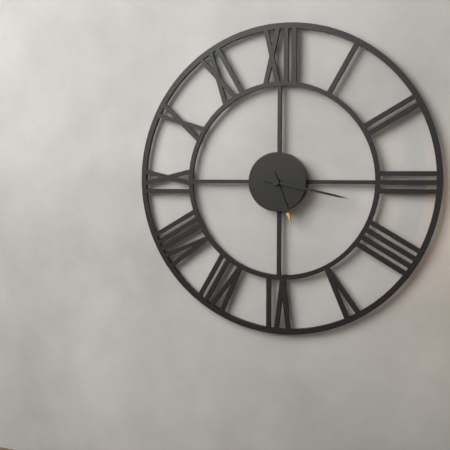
5:17
